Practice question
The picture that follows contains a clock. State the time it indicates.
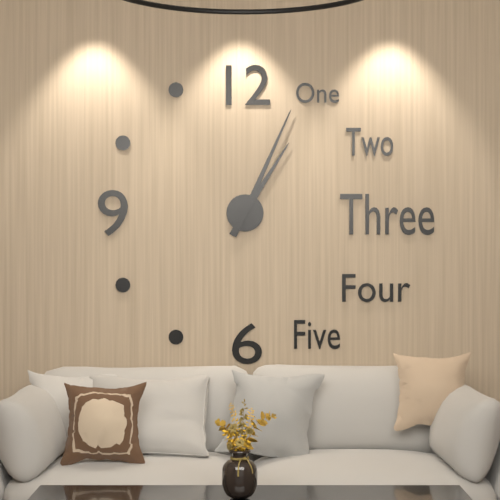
1:04
